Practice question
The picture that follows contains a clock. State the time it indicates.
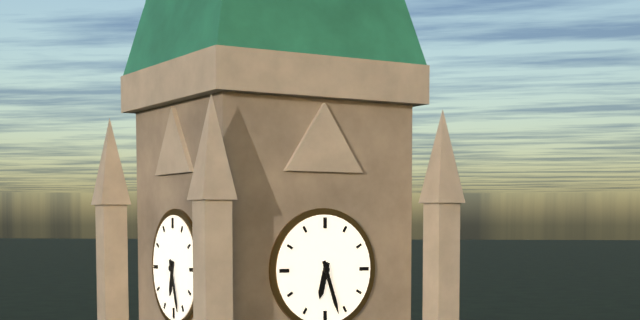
6:27
